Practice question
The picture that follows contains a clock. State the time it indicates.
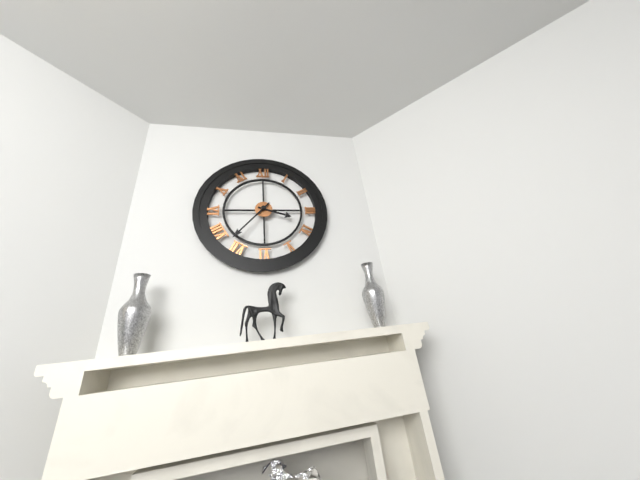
3:37
